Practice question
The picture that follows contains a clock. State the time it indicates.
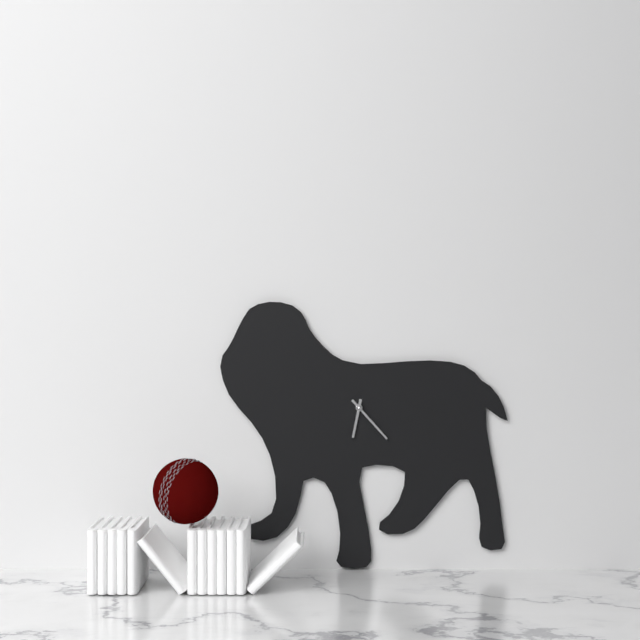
6:23
